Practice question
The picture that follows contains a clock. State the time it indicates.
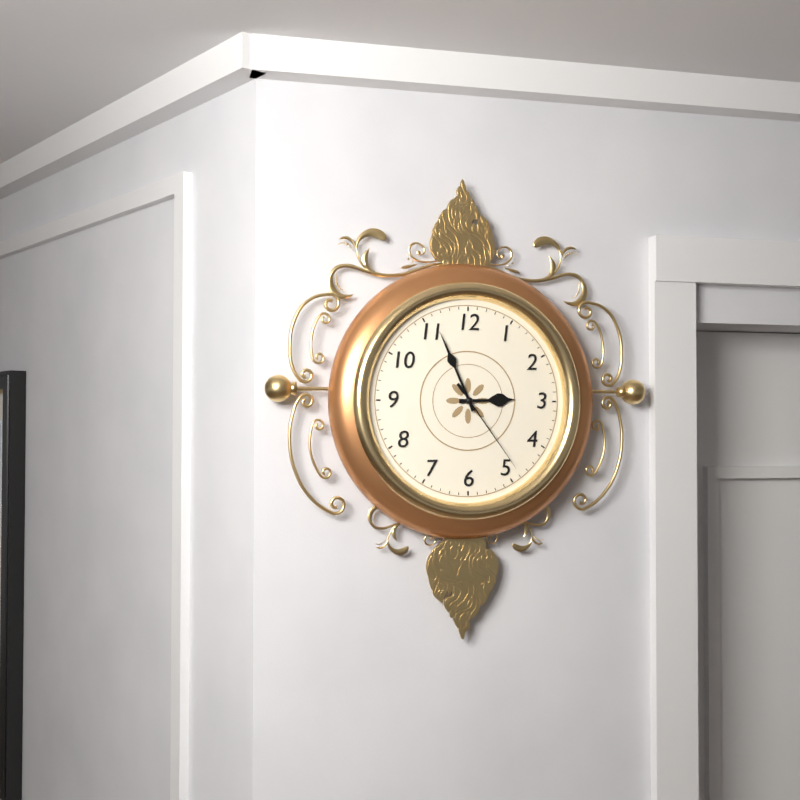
2:56:24
